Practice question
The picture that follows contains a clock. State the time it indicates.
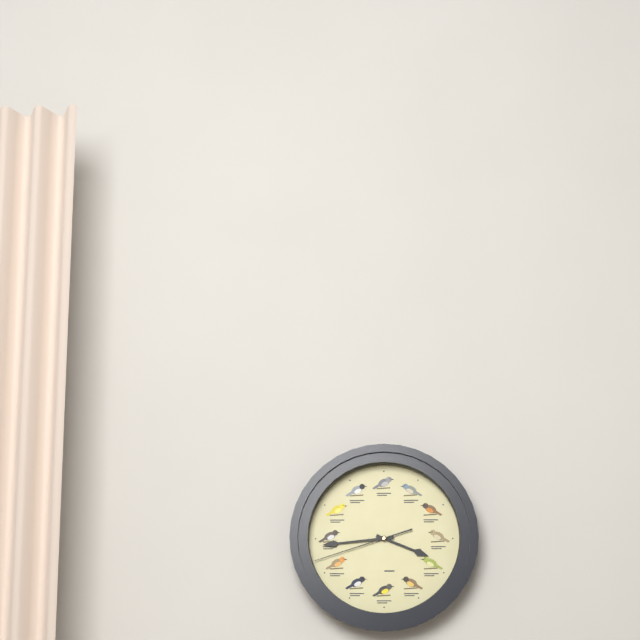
3:44:42
